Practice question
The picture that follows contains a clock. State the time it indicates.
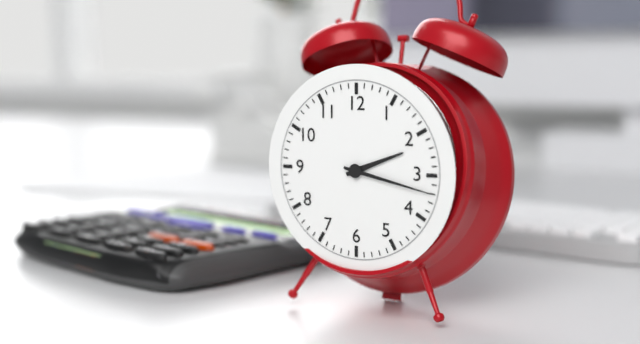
2:17
